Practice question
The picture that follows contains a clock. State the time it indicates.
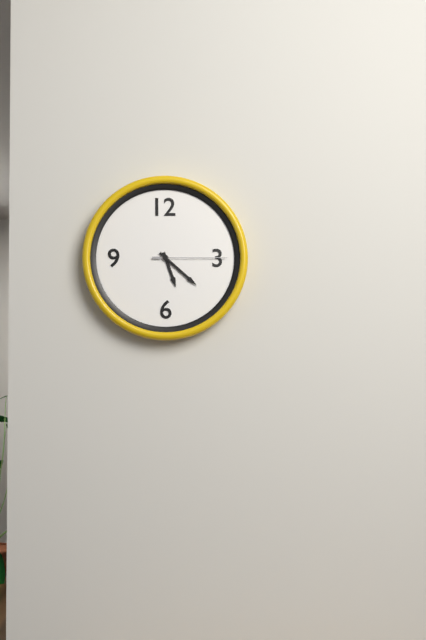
5:22:15
